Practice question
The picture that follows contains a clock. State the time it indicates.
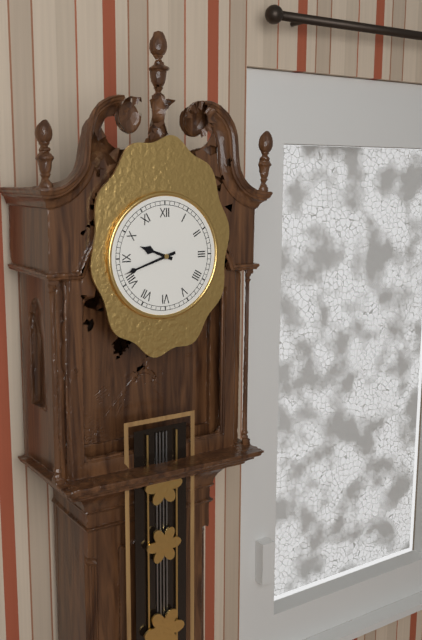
9:42
